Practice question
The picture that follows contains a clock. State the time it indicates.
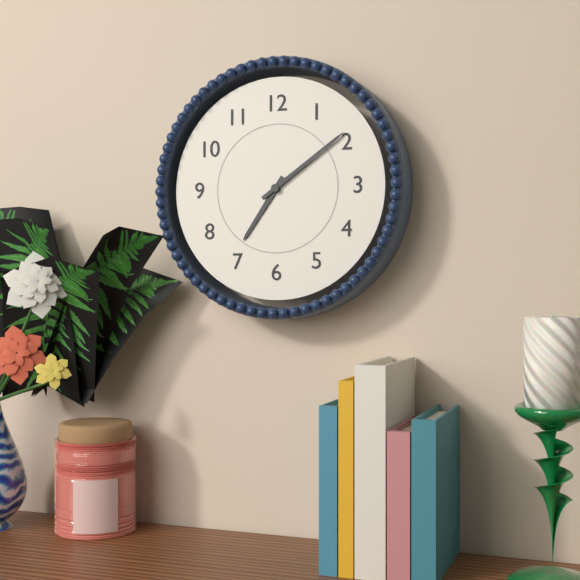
7:09
